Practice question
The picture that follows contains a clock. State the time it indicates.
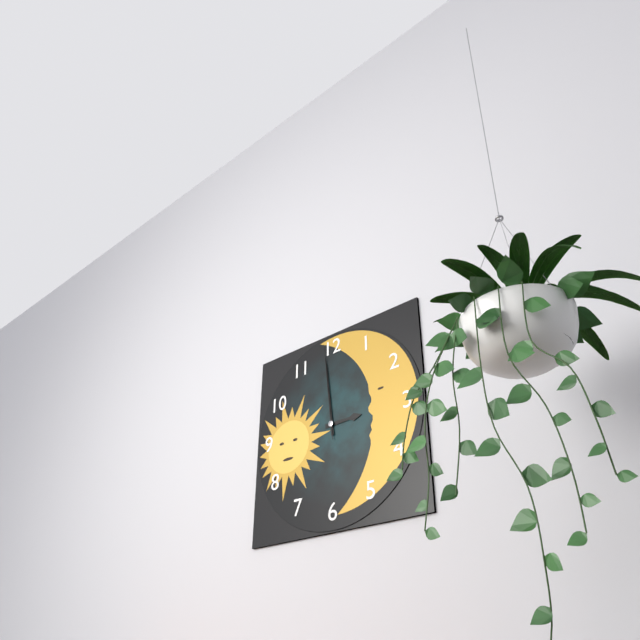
2:59:59
